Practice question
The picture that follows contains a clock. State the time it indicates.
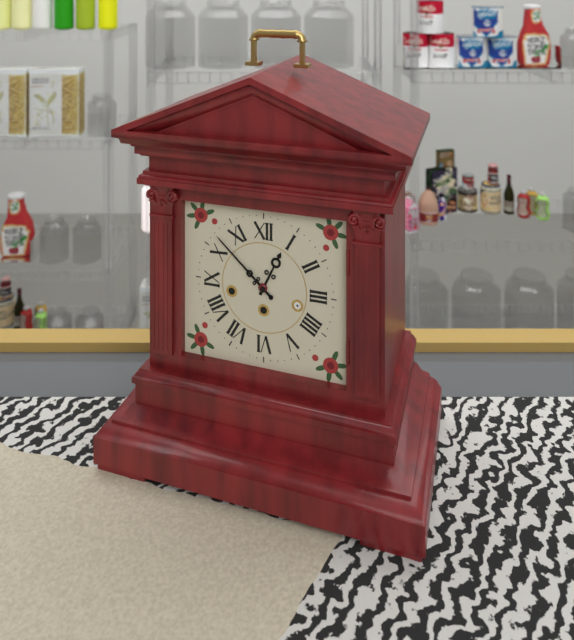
12:52
